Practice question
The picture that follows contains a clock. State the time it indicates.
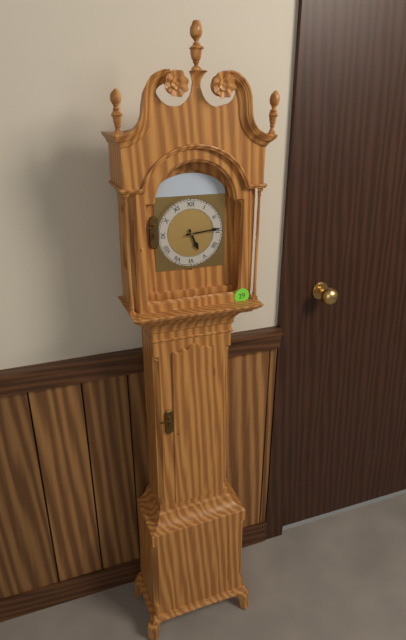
5:14
